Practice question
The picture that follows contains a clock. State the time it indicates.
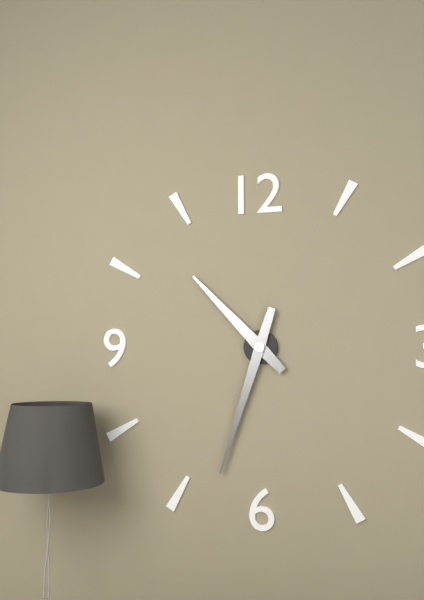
10:33
